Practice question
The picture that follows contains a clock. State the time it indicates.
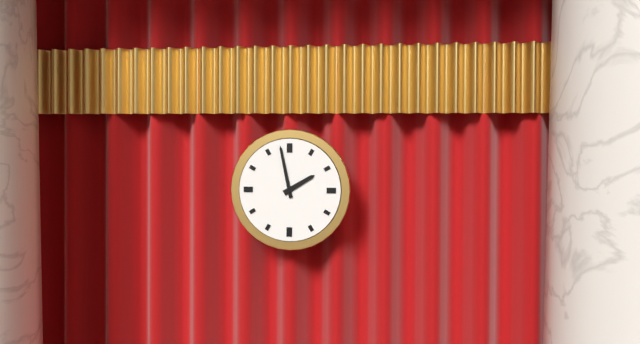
1:58
